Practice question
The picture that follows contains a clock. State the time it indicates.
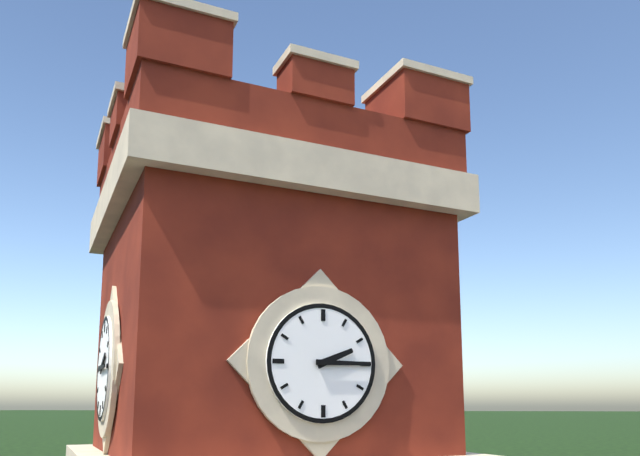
2:15
